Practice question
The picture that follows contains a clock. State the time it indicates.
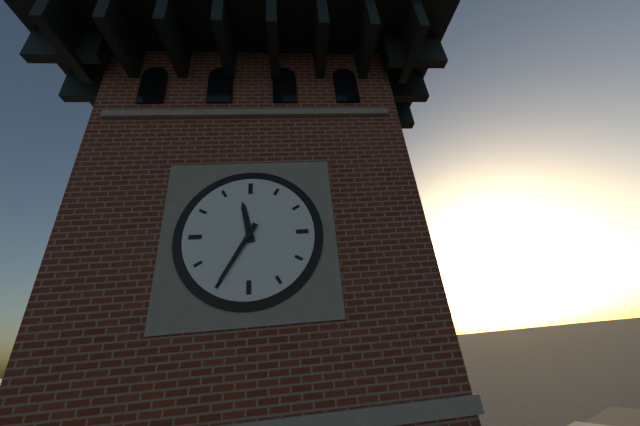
11:35
